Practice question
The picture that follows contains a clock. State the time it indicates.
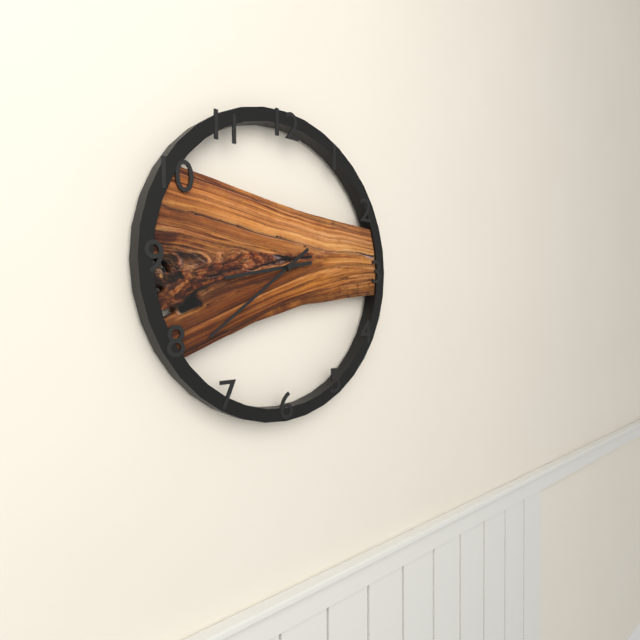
8:39
